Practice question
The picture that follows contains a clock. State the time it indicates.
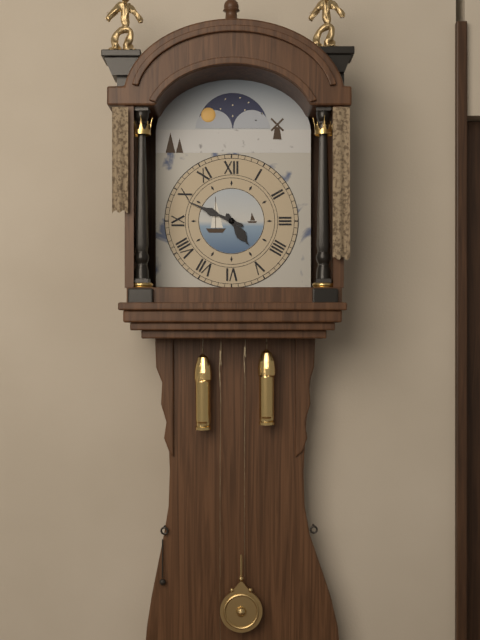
4:49
